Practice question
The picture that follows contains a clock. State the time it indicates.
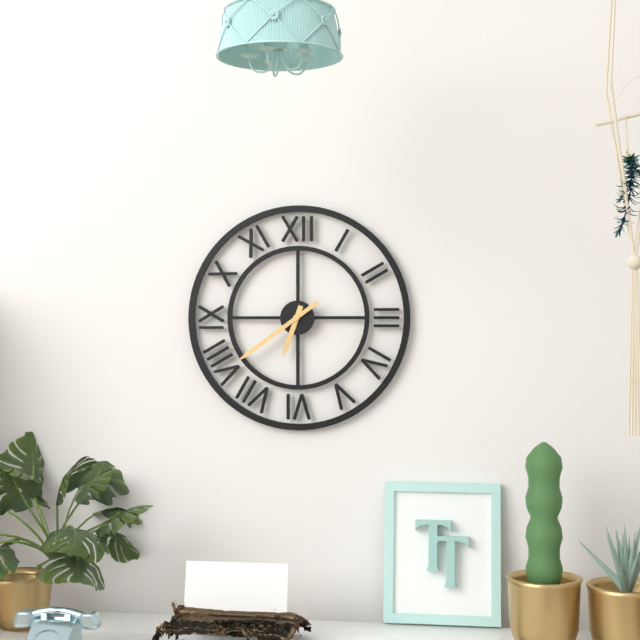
6:39
